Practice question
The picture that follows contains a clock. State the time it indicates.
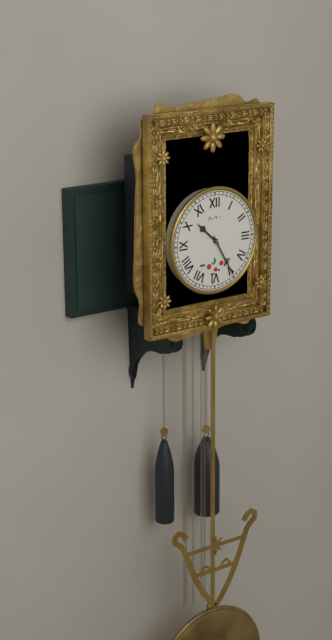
10:25
